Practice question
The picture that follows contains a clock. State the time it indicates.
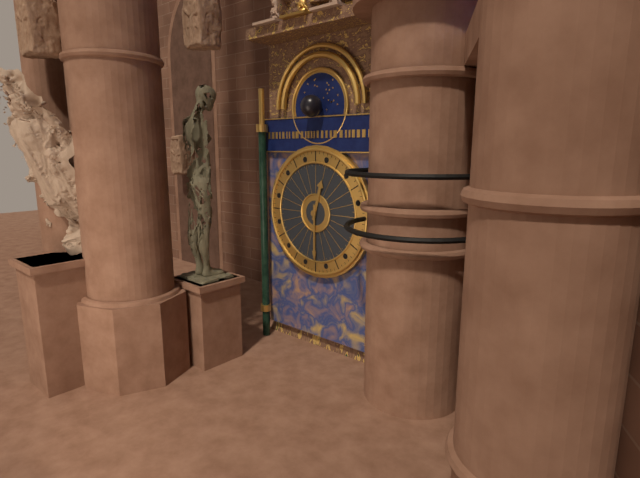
12:30
